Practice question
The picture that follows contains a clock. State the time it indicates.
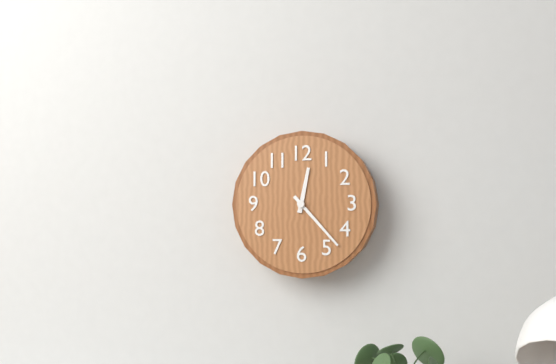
12:23
